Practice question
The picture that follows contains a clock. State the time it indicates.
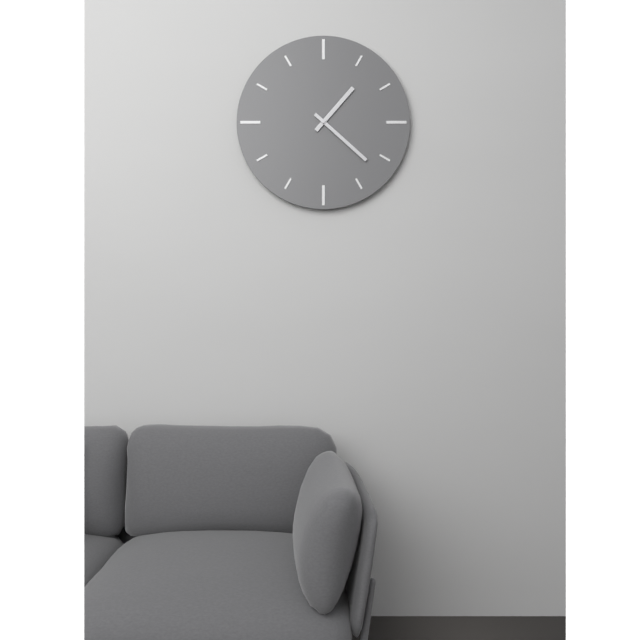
1:22
